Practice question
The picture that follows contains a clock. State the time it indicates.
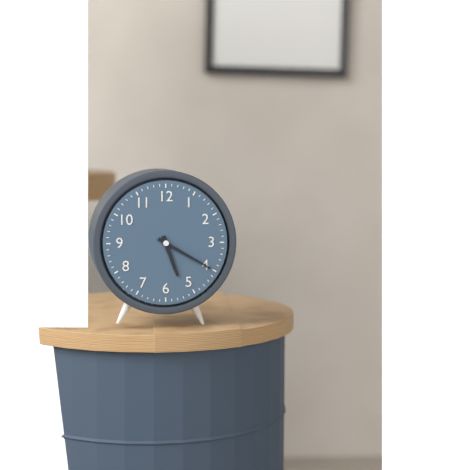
5:20
